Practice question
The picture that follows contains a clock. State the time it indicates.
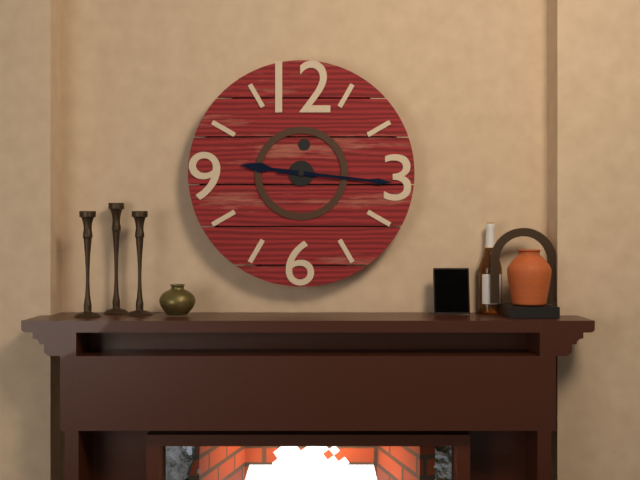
9:16
